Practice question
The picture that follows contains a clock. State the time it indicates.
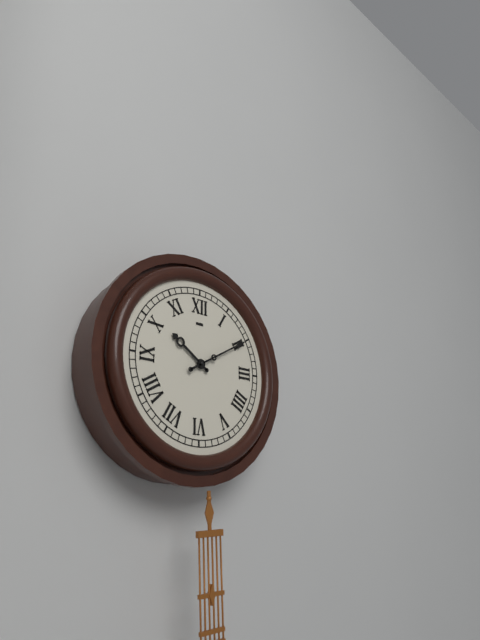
10:10
